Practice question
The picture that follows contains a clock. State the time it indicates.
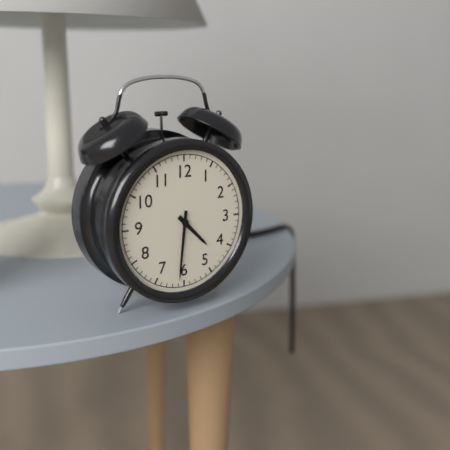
4:31
